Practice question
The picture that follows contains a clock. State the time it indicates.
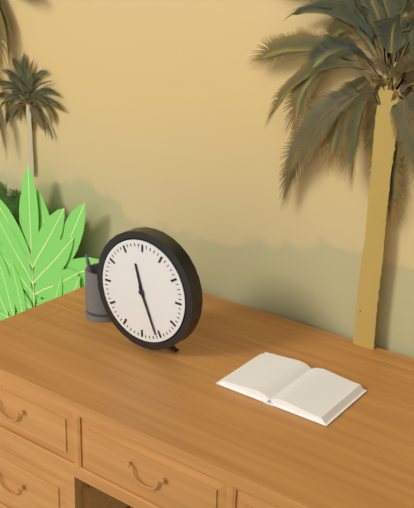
11:26
